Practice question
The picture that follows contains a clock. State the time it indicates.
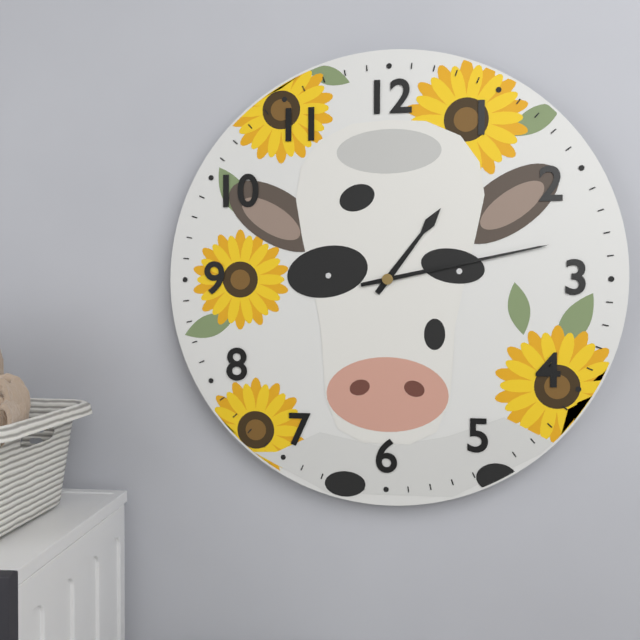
1:13
